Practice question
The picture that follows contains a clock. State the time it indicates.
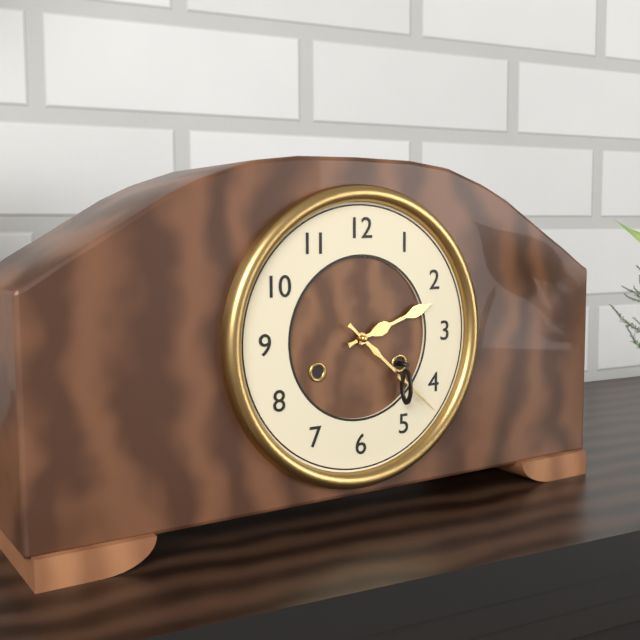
2:22
